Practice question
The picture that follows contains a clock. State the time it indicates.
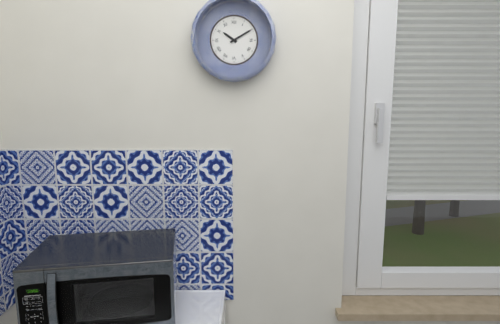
10:10
